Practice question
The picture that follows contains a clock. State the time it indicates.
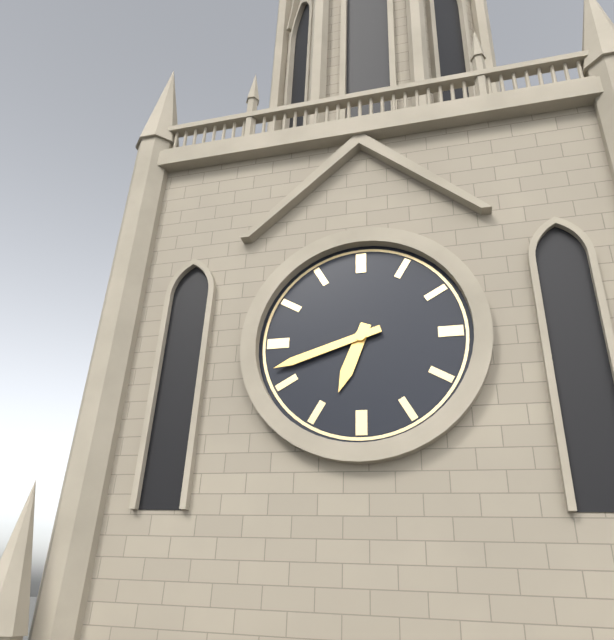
6:42
